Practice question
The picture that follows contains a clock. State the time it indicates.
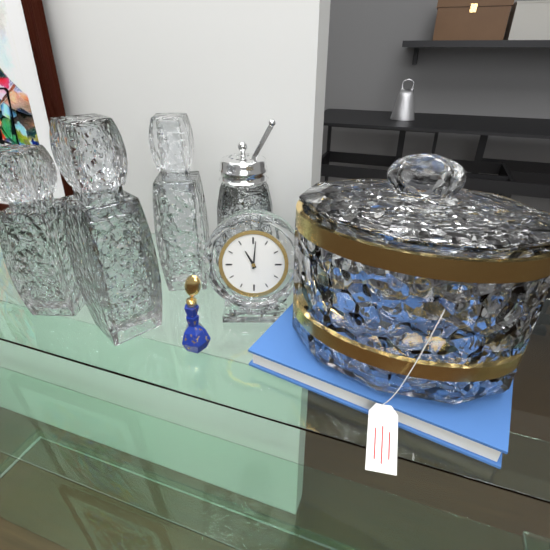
11:01
